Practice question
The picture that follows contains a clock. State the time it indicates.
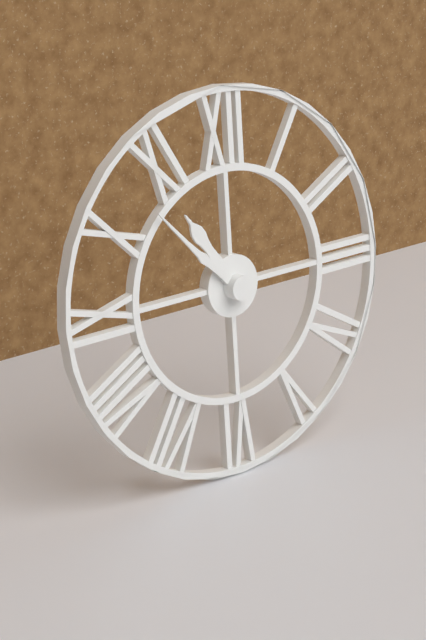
10:52
